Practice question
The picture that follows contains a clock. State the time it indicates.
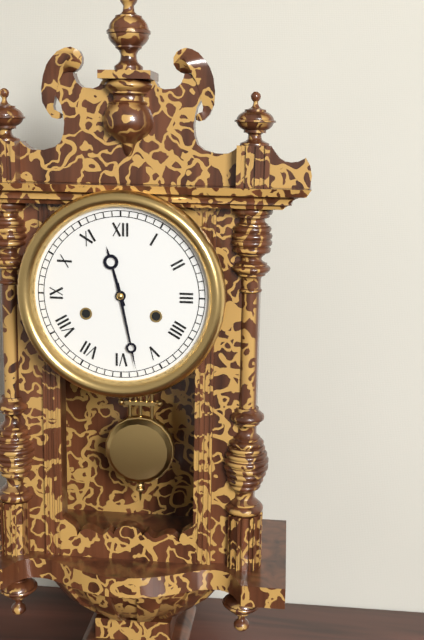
11:28
